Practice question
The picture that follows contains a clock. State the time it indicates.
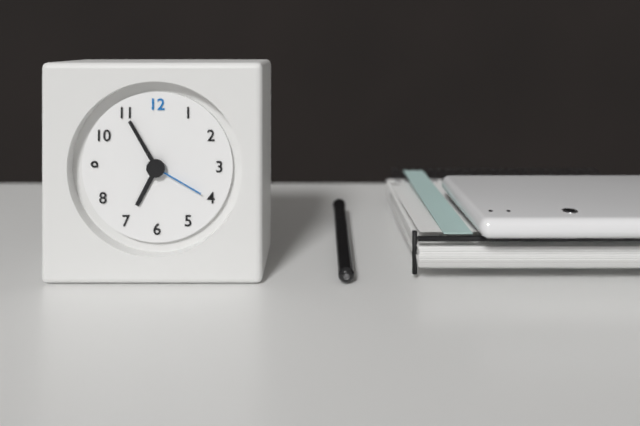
6:55:20
